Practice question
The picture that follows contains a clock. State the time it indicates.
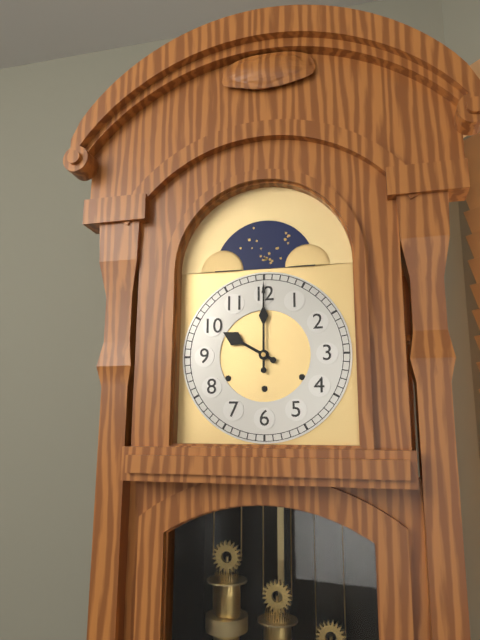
10:00
